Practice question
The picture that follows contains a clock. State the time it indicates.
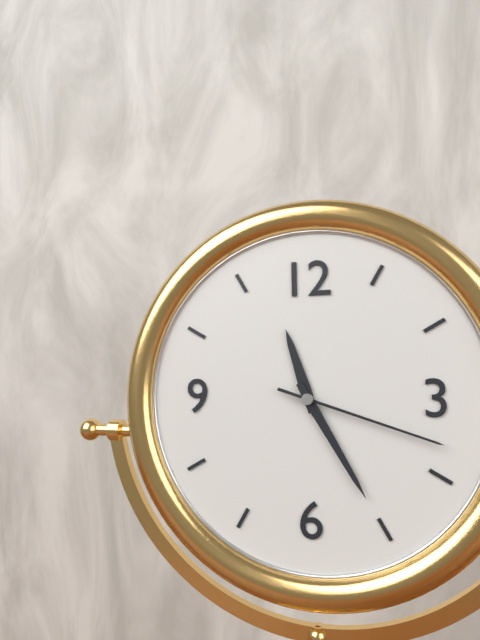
11:25:18
